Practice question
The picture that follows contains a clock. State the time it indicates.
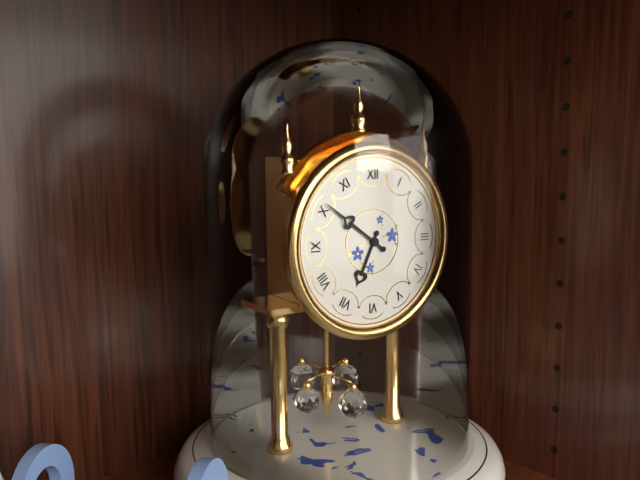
6:51
